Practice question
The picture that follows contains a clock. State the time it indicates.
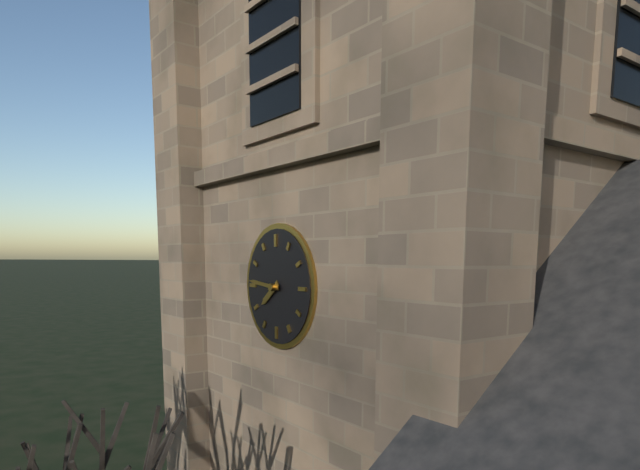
7:46
